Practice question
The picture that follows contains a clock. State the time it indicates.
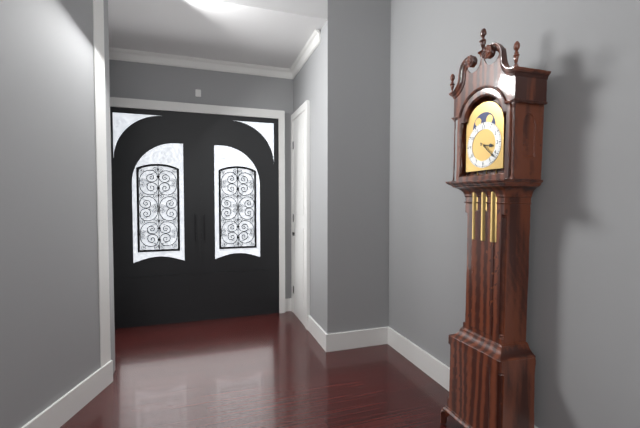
3:22
